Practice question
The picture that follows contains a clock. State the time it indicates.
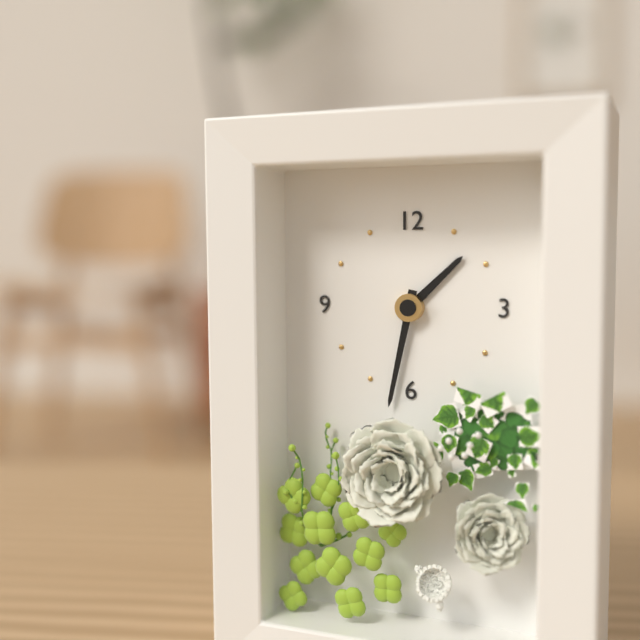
1:32
